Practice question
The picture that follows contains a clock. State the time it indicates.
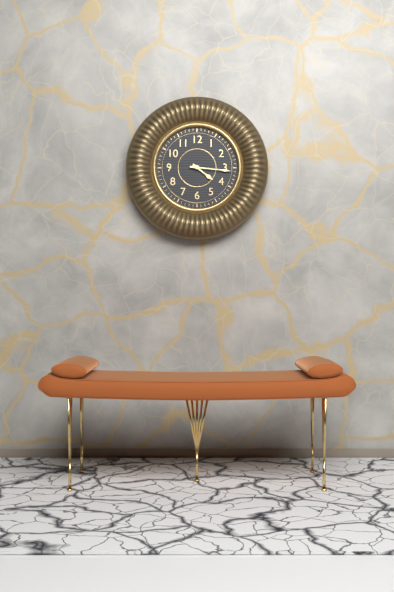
4:16
